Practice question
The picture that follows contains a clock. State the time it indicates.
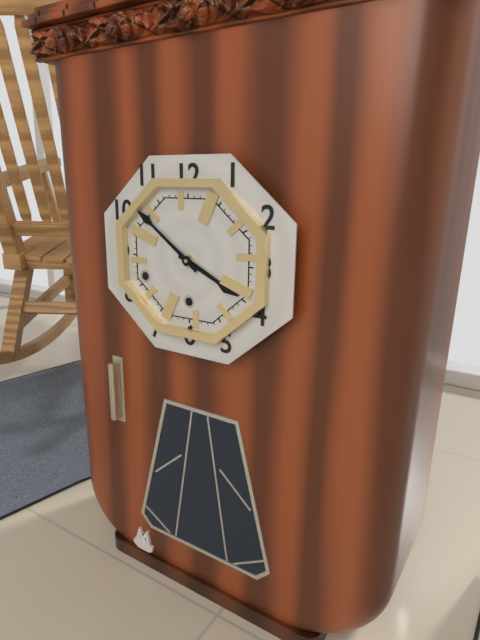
3:51
